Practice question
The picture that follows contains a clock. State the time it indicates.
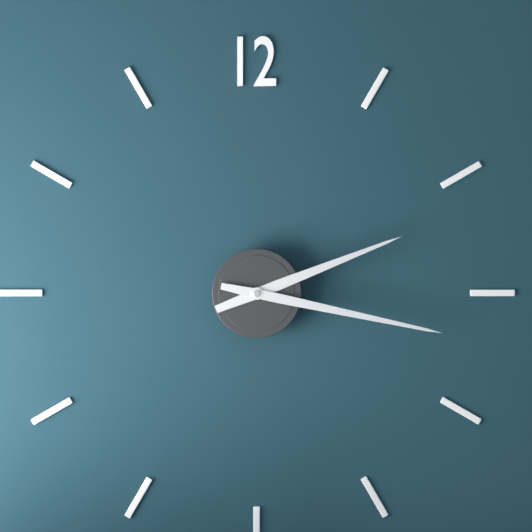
2:17
